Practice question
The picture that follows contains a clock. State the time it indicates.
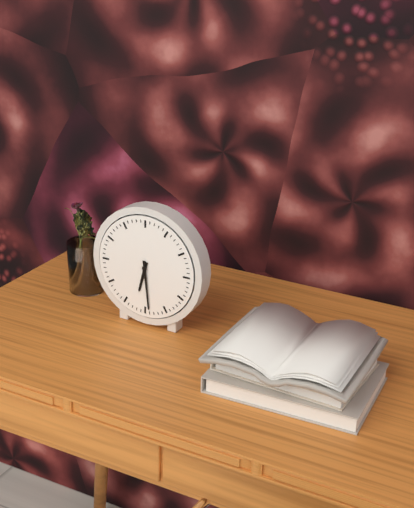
6:29
